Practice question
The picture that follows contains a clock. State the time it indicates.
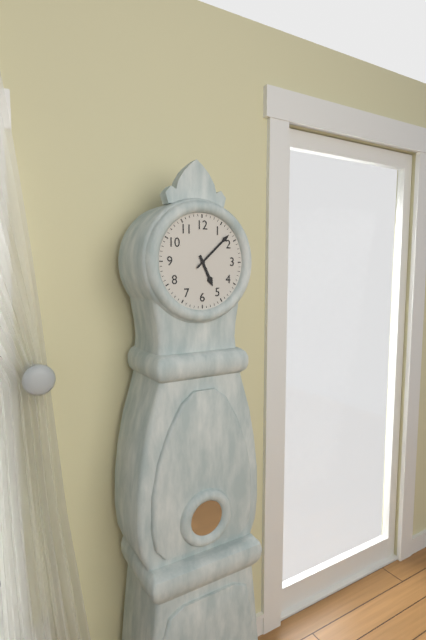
5:08
